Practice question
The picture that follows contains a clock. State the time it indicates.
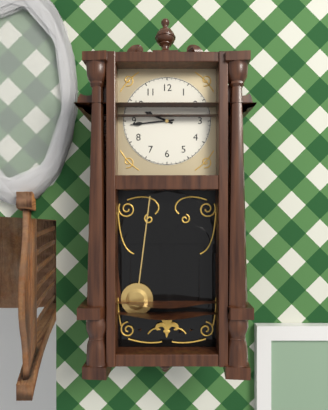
9:44
